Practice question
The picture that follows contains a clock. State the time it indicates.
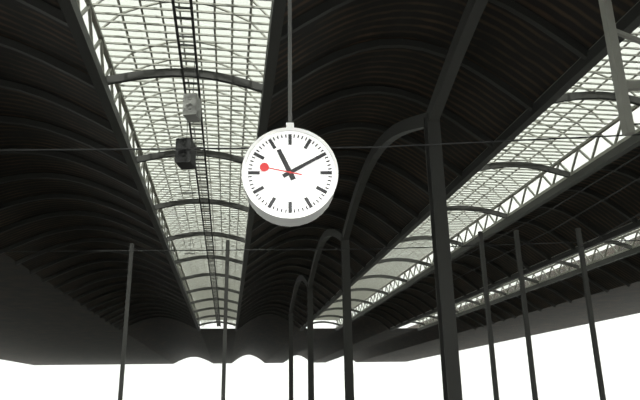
11:10
